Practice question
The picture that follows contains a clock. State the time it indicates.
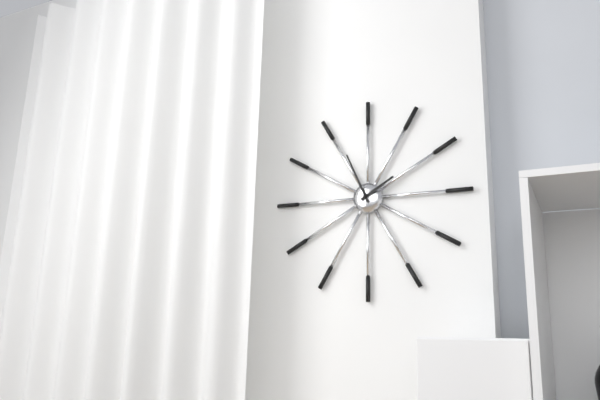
1:56
